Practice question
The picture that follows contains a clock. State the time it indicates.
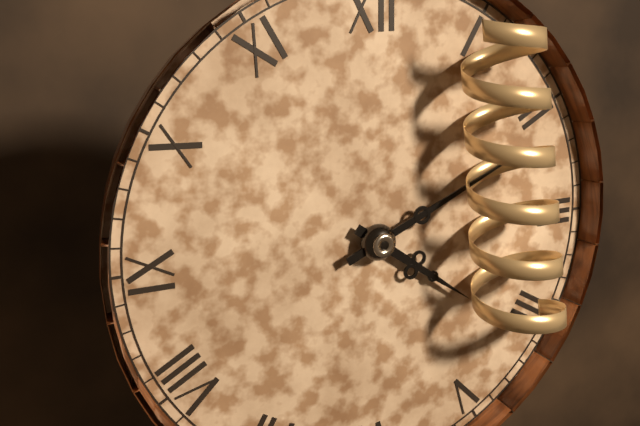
4:11
